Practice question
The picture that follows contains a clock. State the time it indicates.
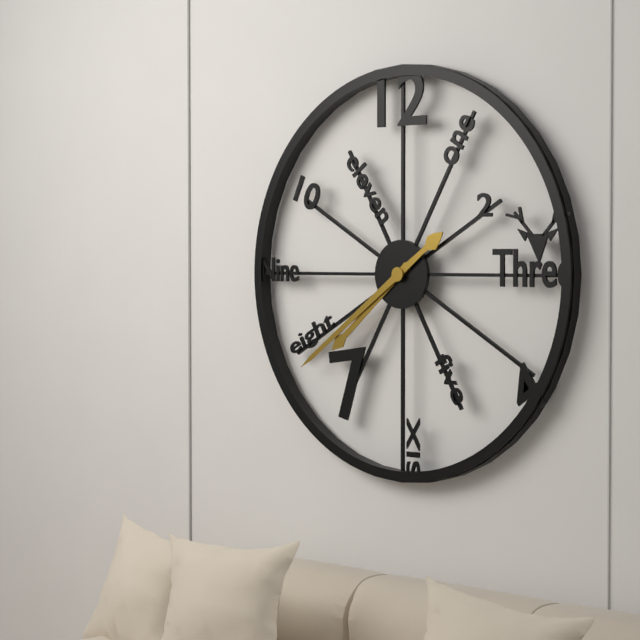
7:39
